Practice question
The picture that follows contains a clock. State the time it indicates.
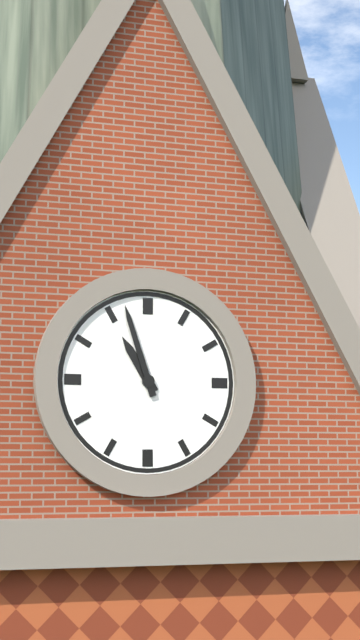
10:57
